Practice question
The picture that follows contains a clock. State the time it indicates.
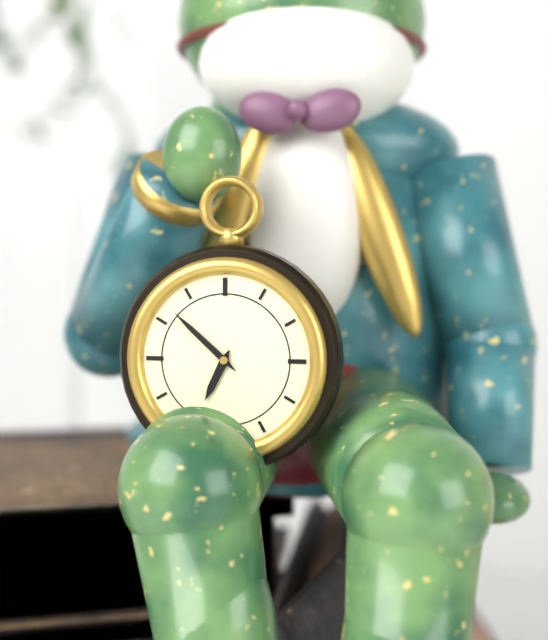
6:52
